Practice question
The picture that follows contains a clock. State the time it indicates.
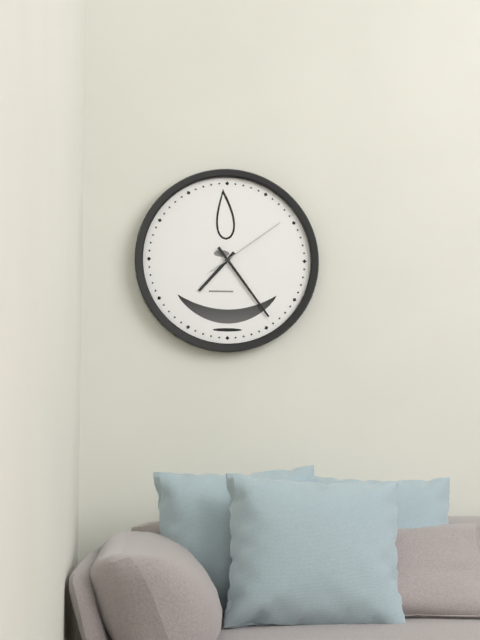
7:24:09
